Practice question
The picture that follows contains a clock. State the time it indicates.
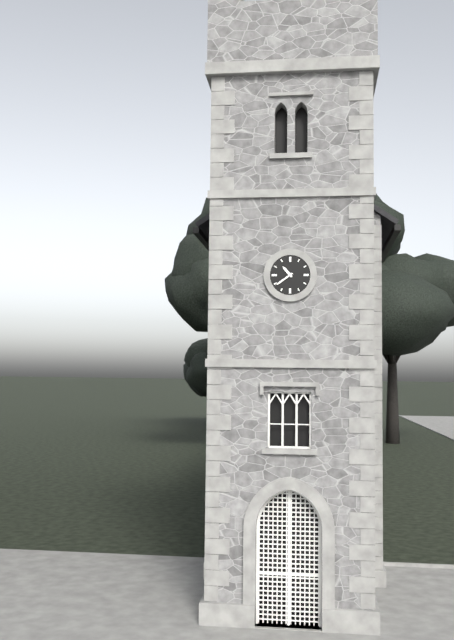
10:39
